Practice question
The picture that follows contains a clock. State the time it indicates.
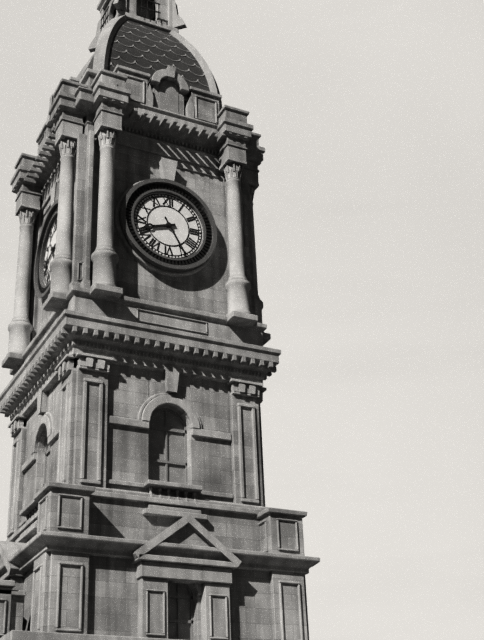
8:25
